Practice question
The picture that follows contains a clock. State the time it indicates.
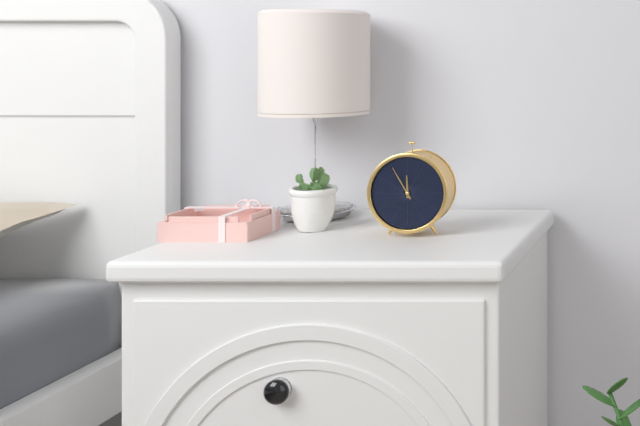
11:55
